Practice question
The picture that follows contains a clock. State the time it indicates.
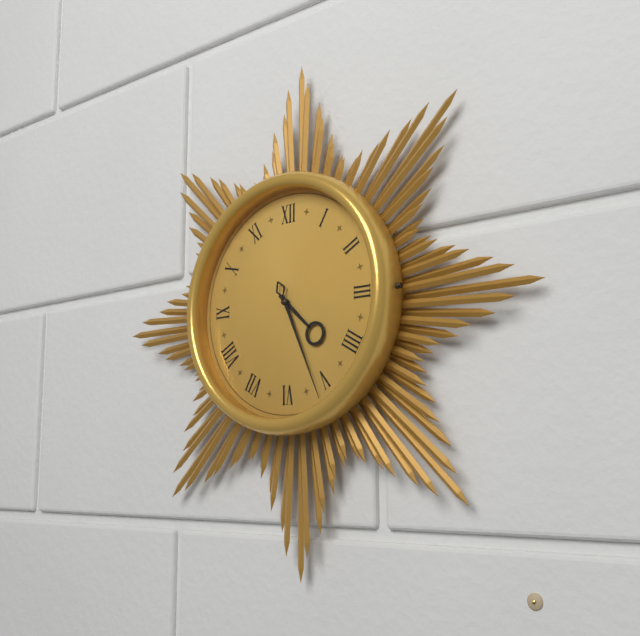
4:26
